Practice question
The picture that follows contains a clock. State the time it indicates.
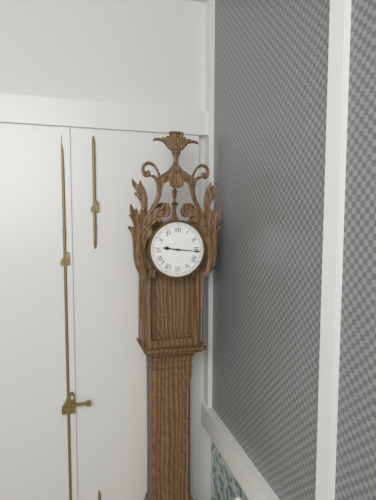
9:16
